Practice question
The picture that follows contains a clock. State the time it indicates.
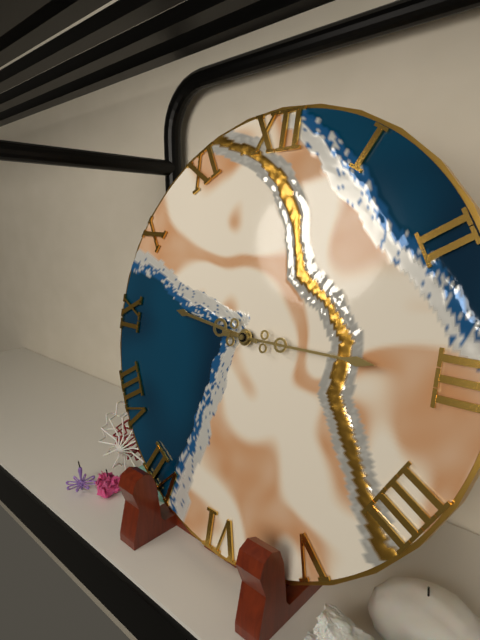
9:15
